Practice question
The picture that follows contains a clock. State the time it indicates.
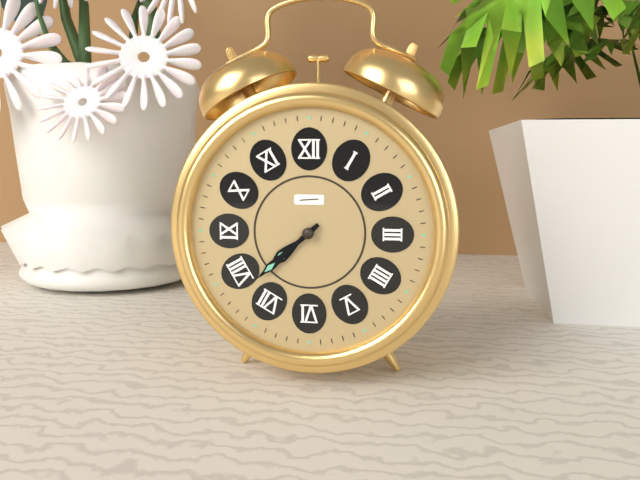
7:38
